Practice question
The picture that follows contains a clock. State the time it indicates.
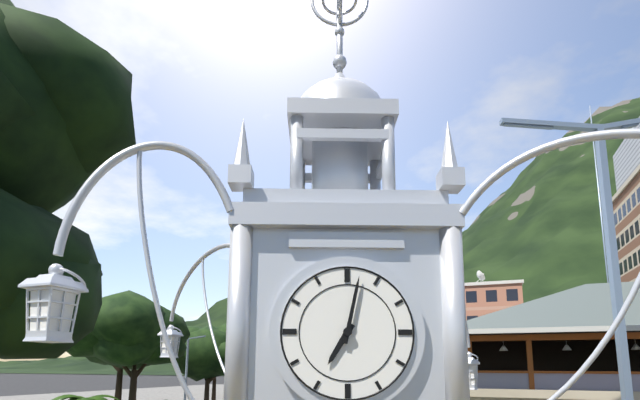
7:02
